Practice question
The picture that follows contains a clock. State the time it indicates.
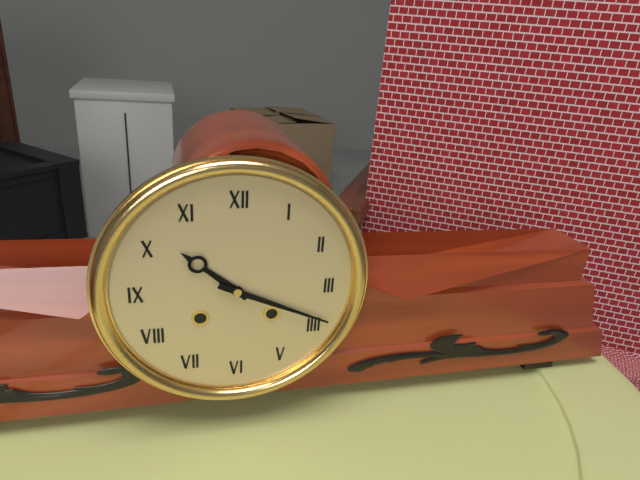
10:19
